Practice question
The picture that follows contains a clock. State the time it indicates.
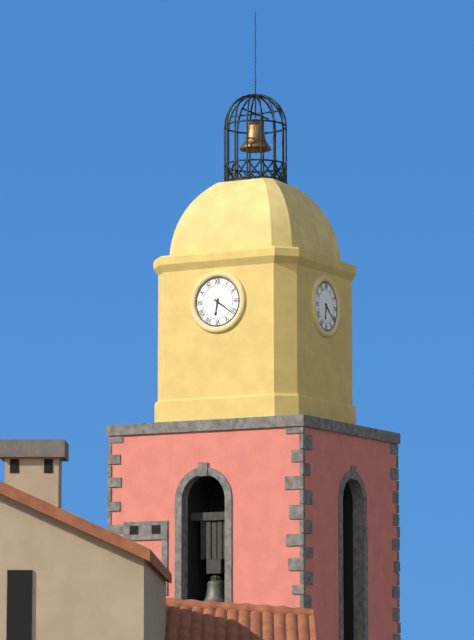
6:21
